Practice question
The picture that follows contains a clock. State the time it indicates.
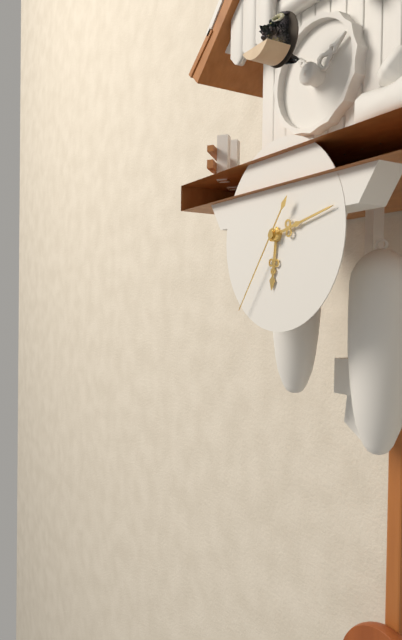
6:13:36
